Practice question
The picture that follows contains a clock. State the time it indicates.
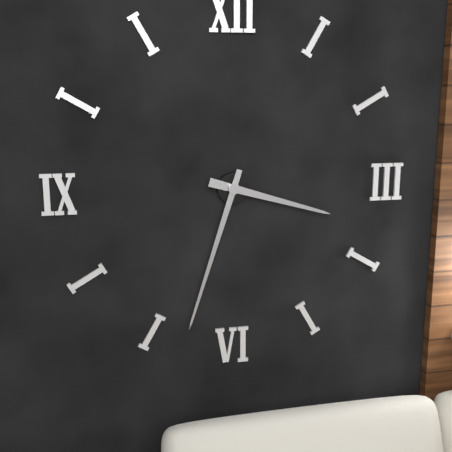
3:33
